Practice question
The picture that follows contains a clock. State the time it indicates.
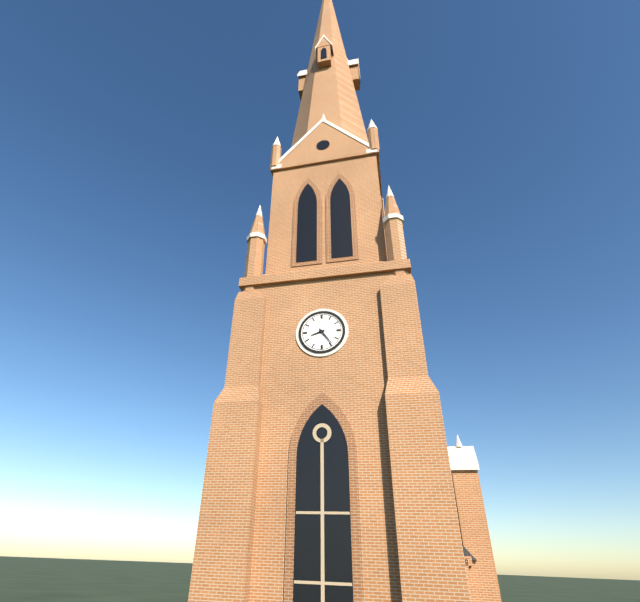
8:24
